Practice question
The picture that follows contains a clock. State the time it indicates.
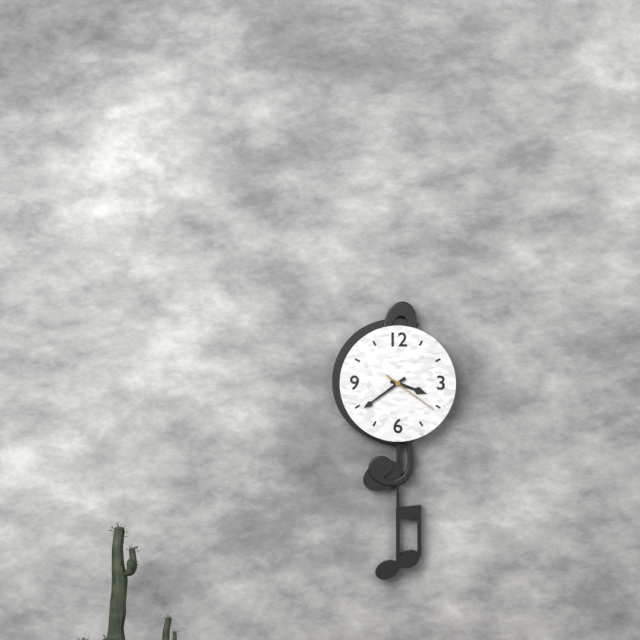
3:39:21
